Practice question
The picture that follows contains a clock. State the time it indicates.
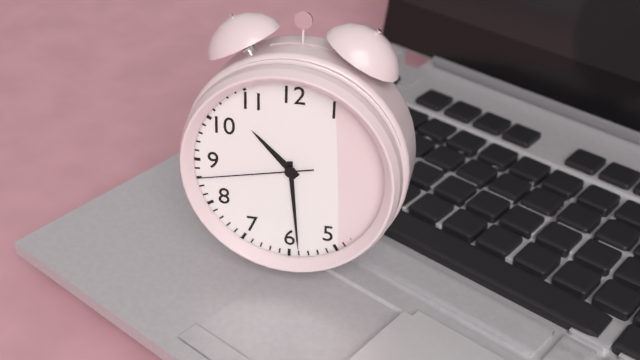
10:29:43
